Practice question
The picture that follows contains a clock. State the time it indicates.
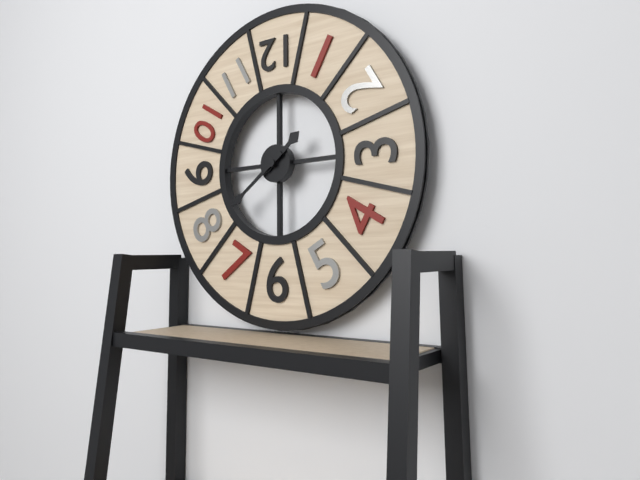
1:39
